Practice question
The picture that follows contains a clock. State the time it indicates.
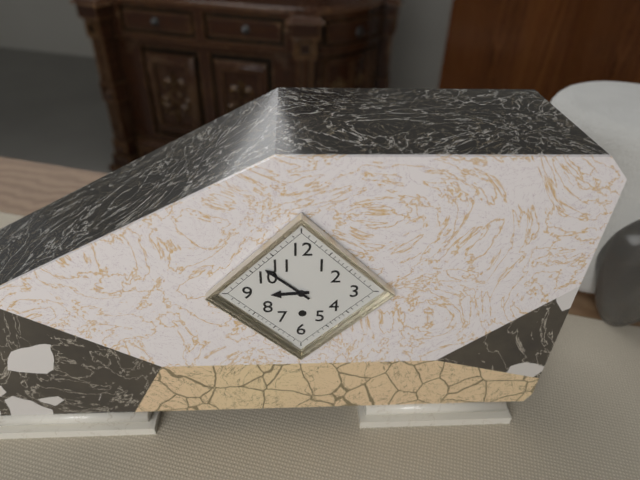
8:52
